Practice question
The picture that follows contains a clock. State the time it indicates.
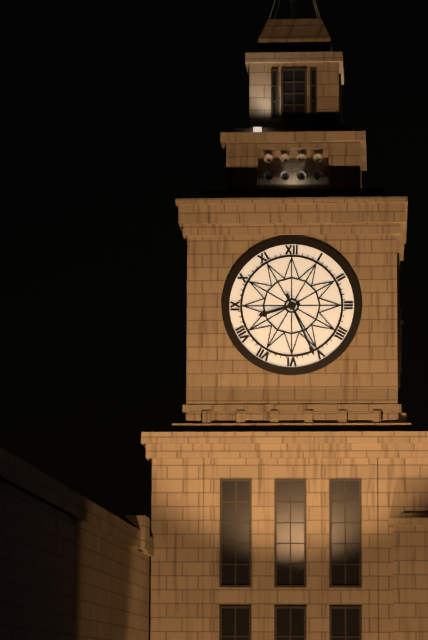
8:26
